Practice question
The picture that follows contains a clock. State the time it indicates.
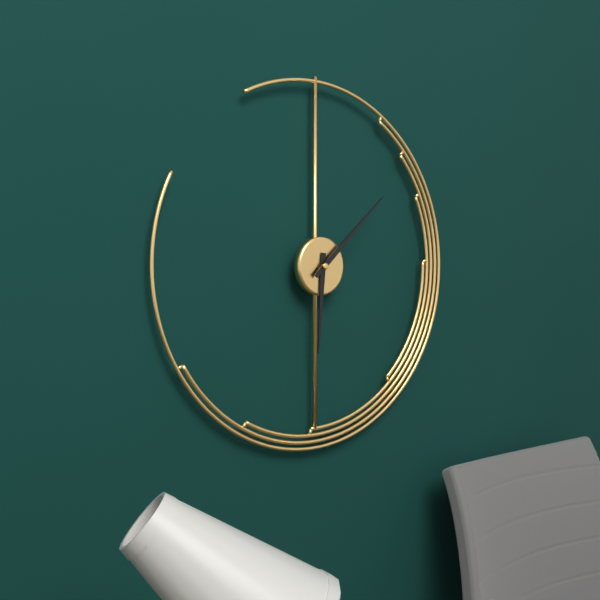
6:08
